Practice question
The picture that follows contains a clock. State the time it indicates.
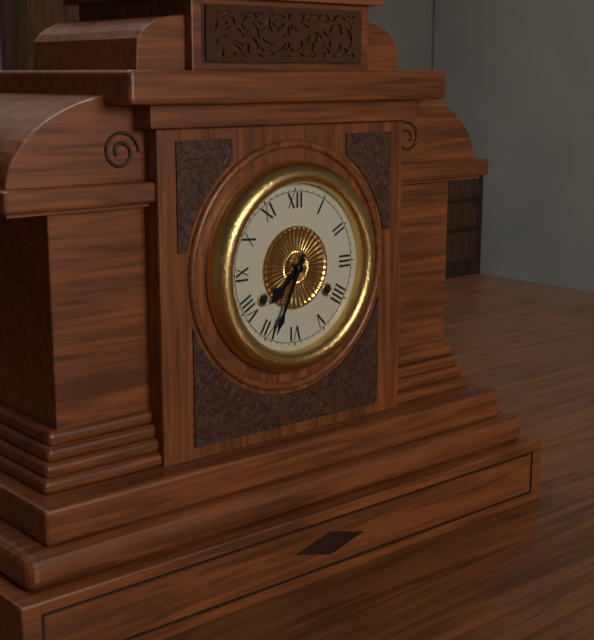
7:34
